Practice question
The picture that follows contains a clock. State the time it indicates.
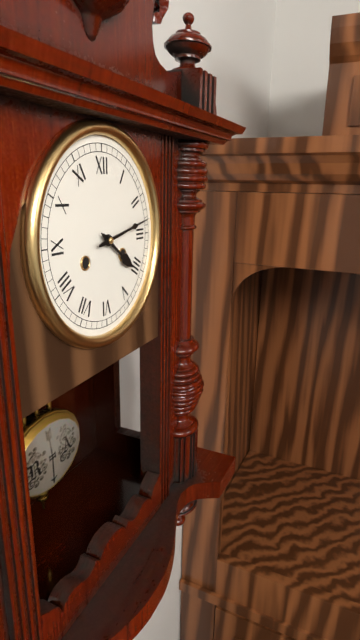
4:13
